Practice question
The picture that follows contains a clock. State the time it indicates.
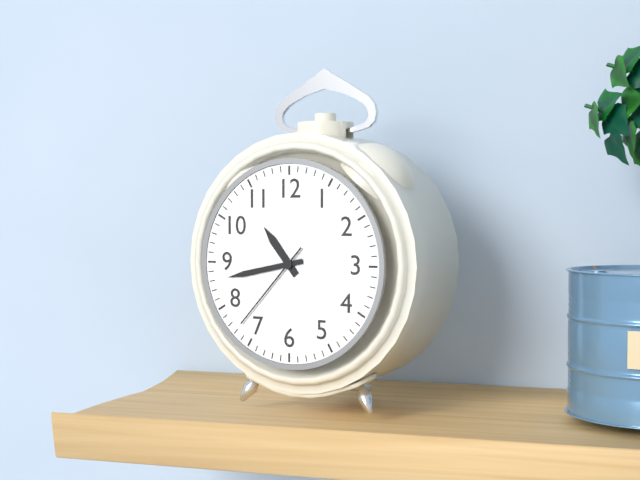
10:43:37
